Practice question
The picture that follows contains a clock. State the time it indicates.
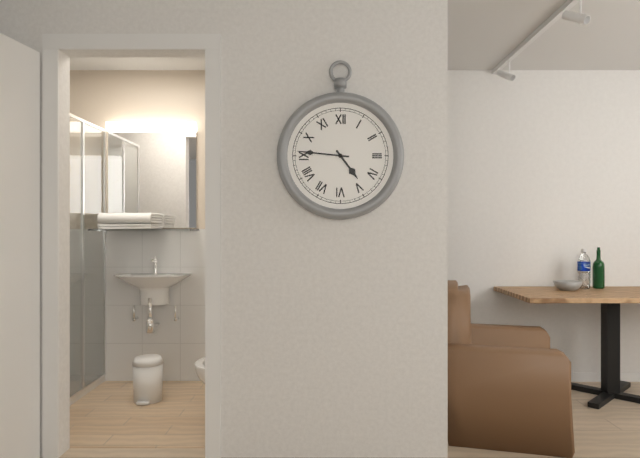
4:46
